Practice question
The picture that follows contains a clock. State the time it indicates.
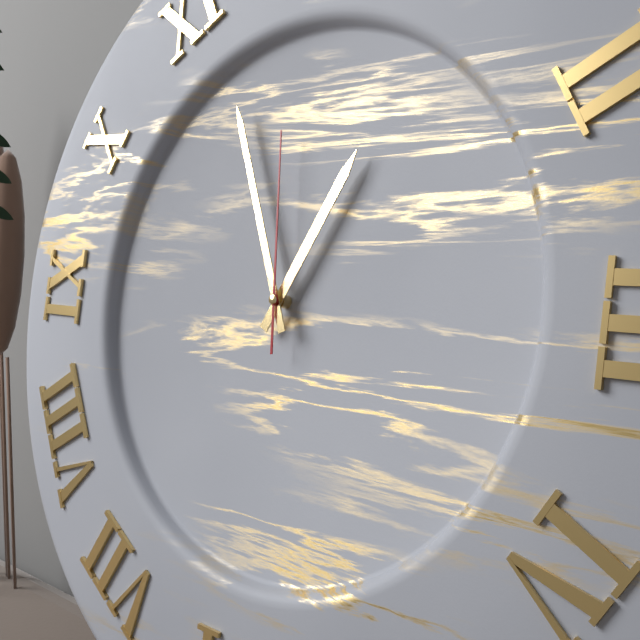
12:56:59
